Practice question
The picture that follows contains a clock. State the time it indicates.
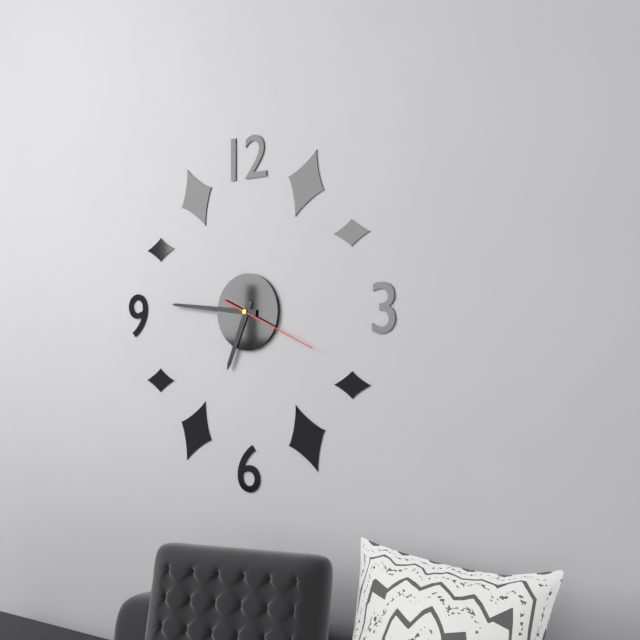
6:46:19
